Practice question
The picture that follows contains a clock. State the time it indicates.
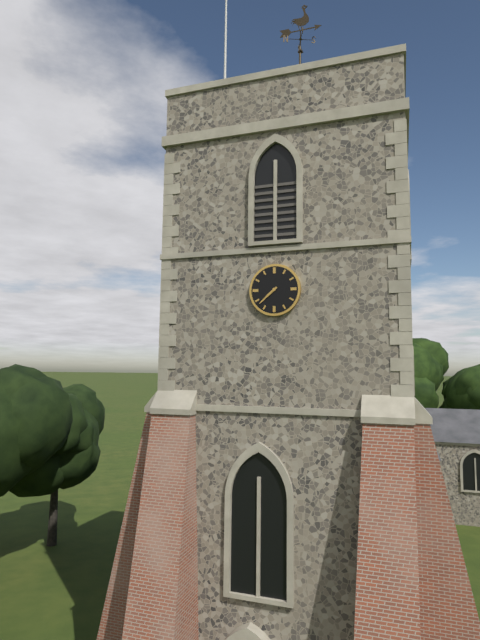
7:38
